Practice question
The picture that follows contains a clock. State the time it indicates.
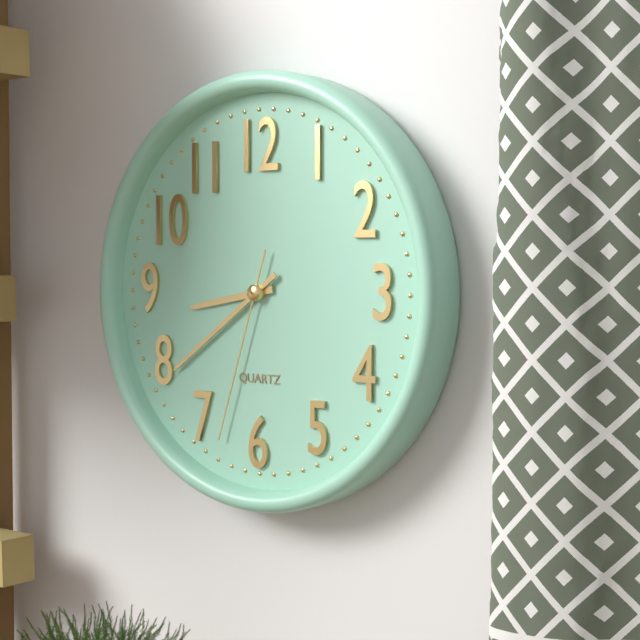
8:39:33
